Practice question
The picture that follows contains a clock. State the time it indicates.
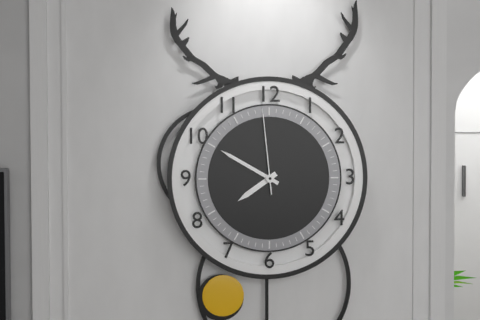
7:50:59
